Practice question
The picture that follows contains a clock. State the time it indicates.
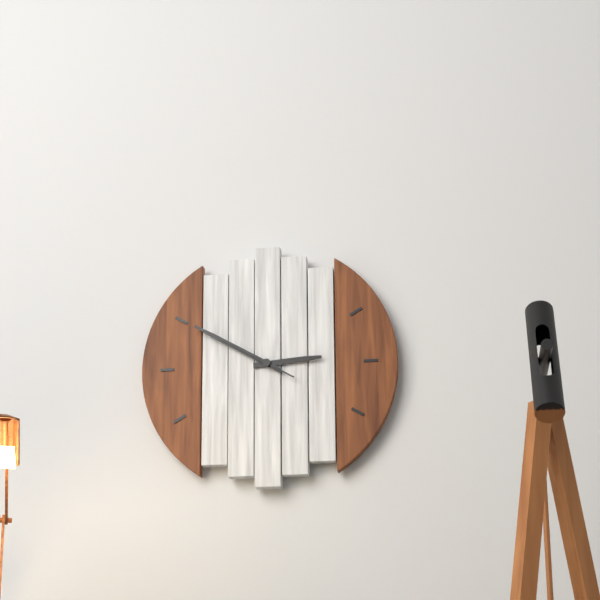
2:50:50
